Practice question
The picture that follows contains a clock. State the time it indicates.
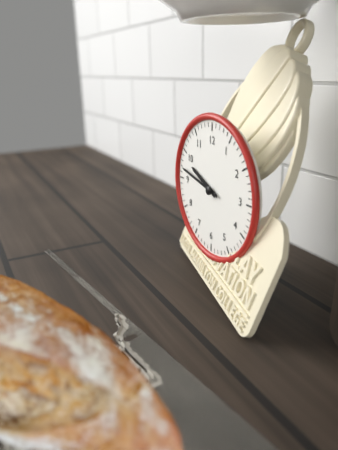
9:47
